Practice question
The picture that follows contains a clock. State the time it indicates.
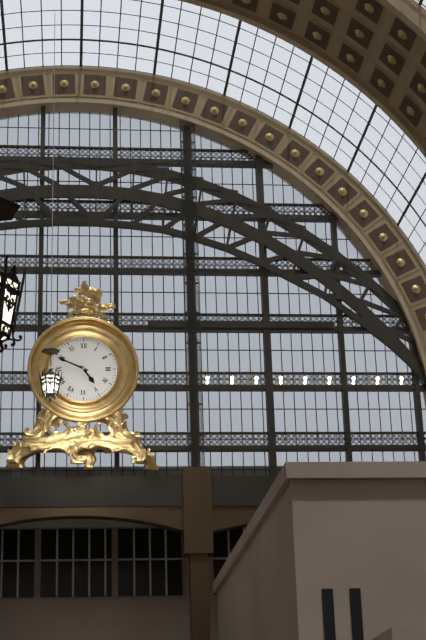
4:49
